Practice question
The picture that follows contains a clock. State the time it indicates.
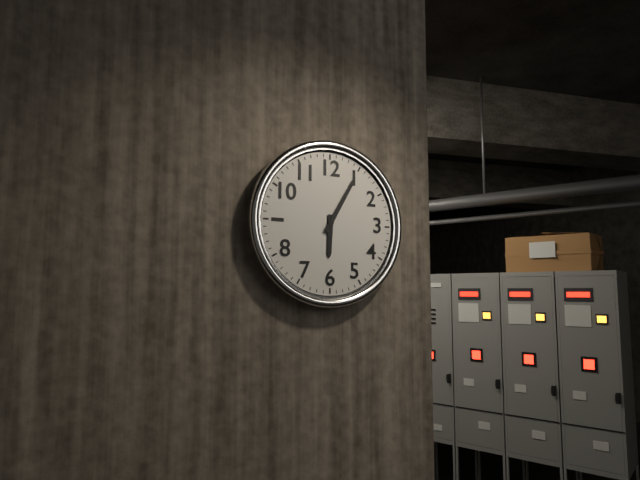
6:05
